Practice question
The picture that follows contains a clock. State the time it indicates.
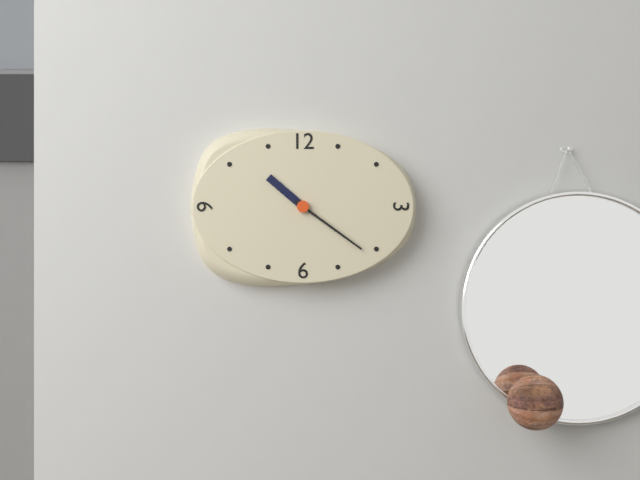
10:21
